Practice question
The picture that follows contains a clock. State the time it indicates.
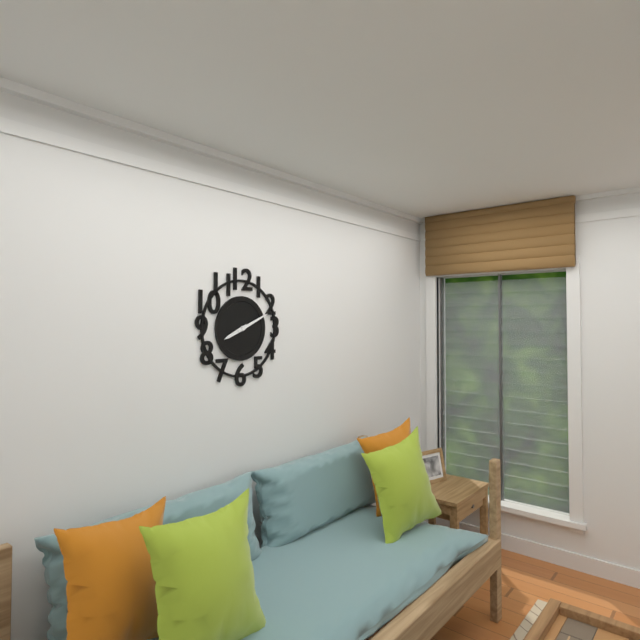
8:11
